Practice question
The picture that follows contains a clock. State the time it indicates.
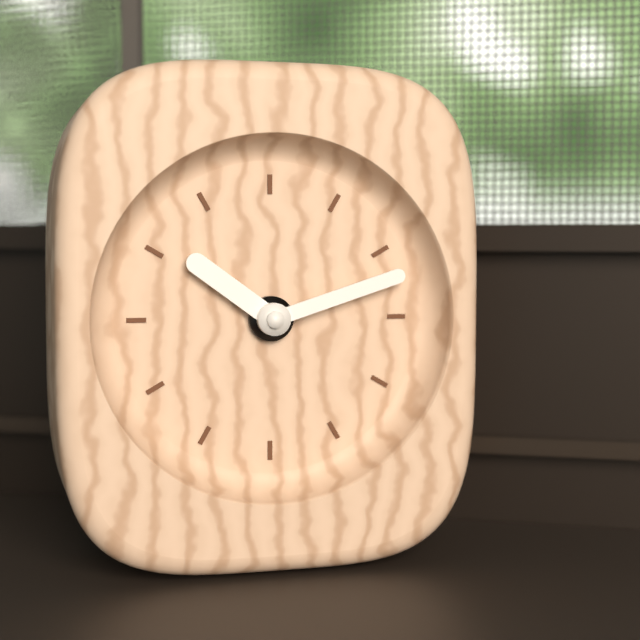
10:12
